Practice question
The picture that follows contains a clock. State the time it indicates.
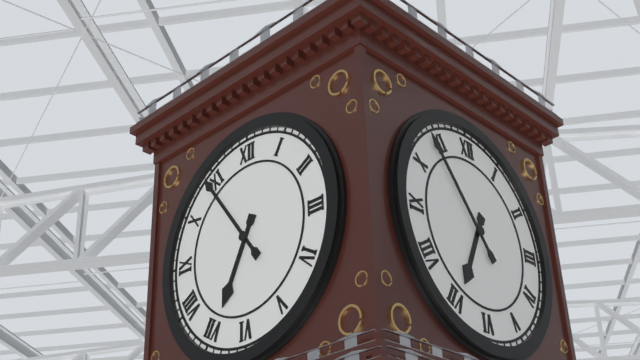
6:54
